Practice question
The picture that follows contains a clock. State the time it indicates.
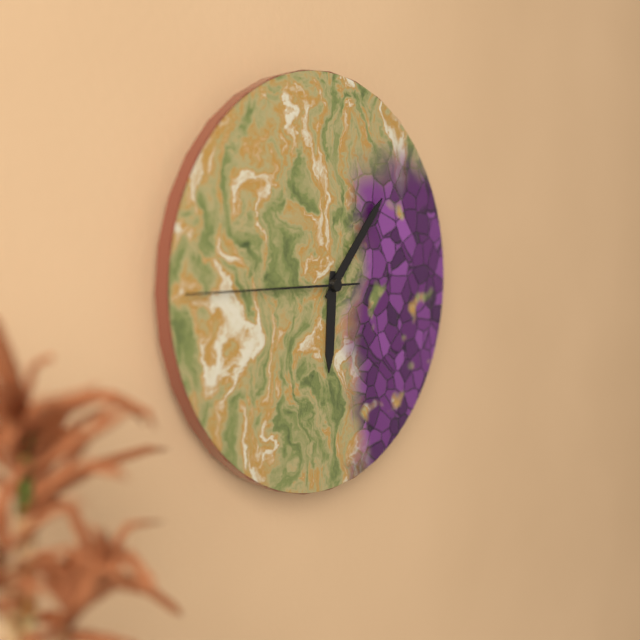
6:07:45
